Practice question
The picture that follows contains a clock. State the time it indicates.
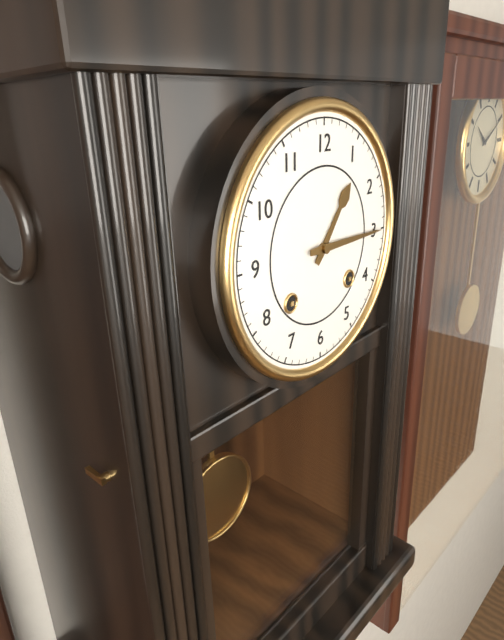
1:15
